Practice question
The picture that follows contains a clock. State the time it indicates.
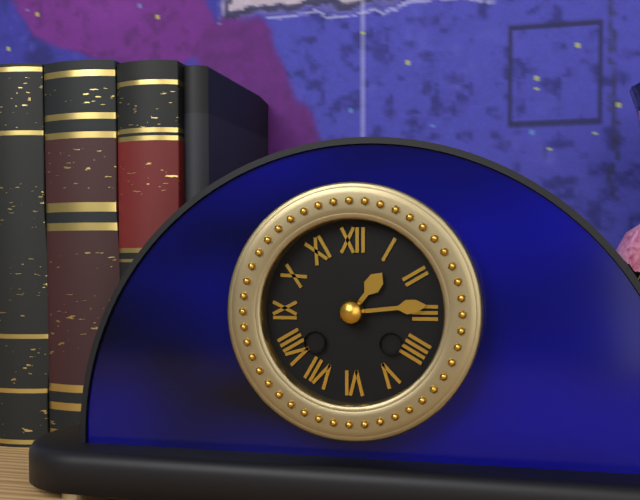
1:14
